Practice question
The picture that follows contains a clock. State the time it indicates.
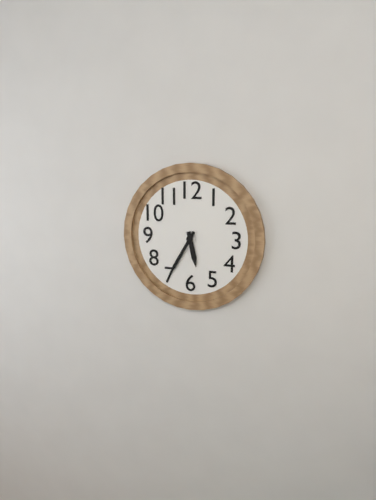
5:35
